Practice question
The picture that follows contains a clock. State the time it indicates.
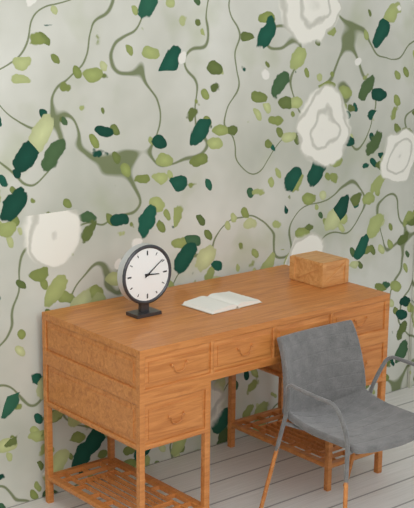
3:09
